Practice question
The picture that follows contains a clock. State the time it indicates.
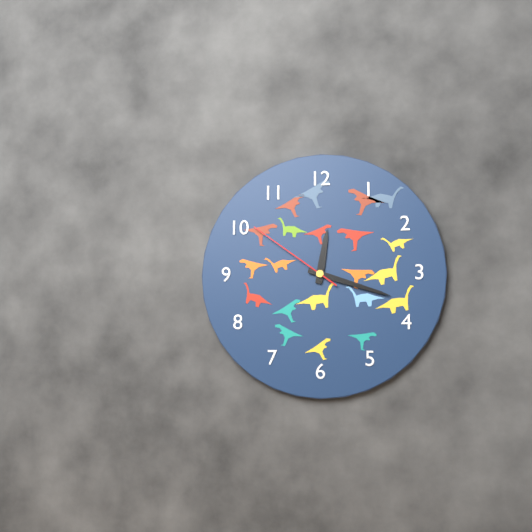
12:18:51
